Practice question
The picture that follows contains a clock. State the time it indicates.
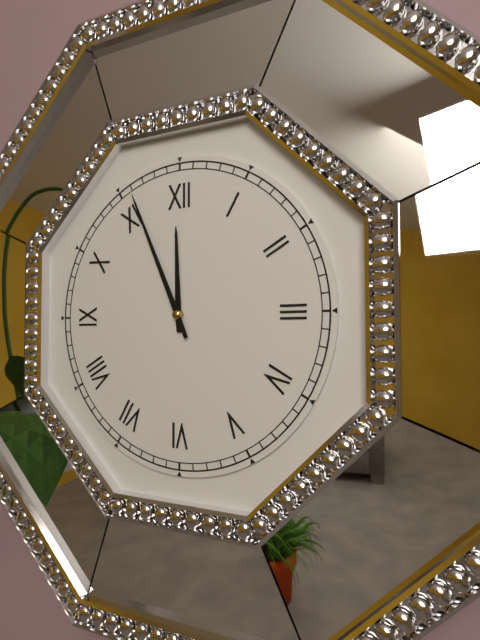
11:56
